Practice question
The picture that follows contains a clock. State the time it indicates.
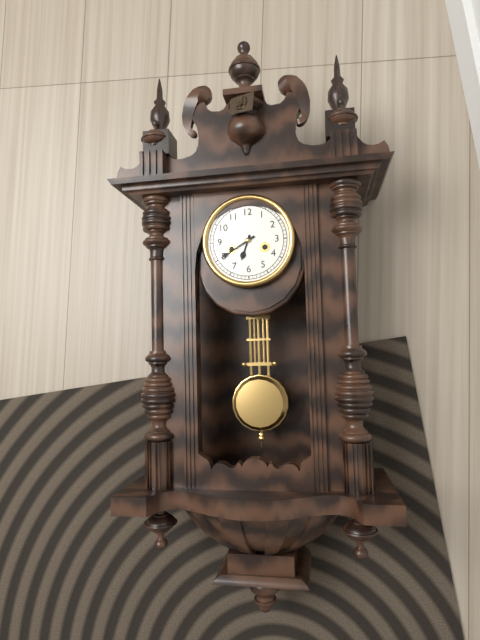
6:40
